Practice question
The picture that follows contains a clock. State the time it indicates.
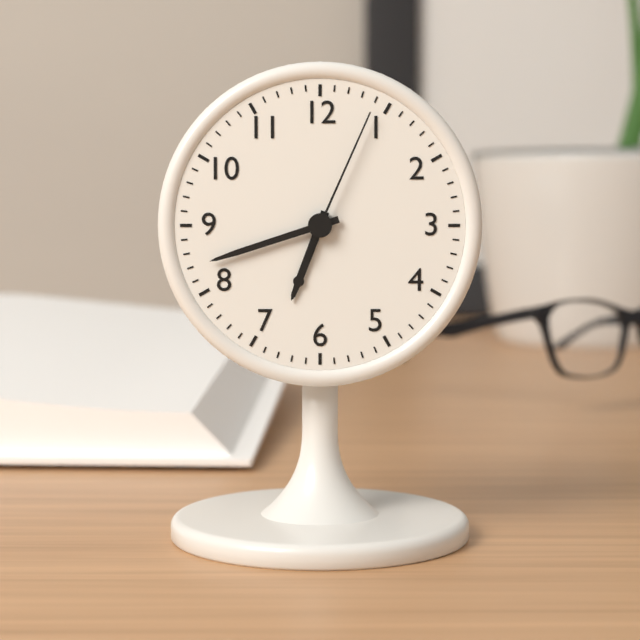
6:42:04
